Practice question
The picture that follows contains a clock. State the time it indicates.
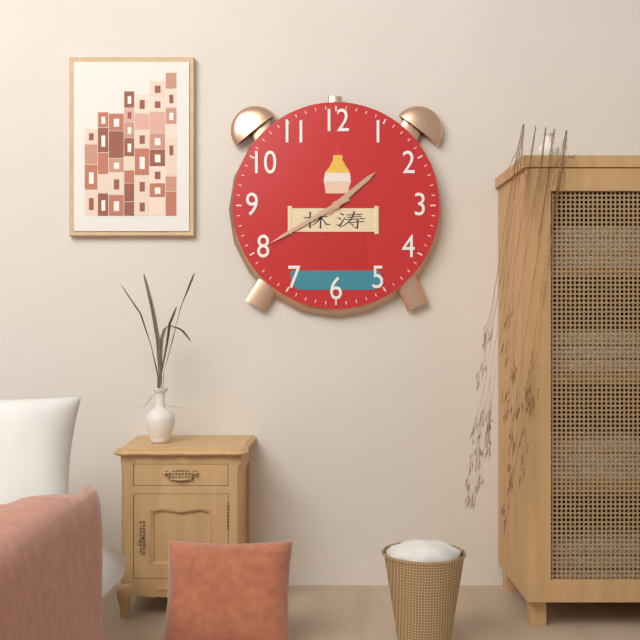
1:40
